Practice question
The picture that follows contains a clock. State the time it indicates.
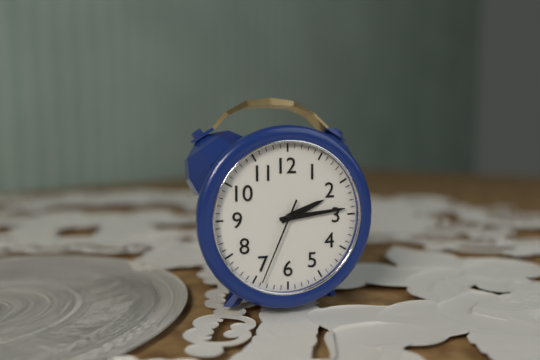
2:14:34
